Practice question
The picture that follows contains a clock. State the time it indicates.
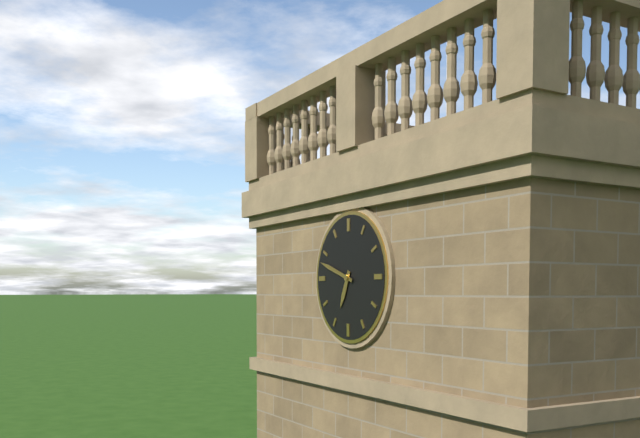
6:48
